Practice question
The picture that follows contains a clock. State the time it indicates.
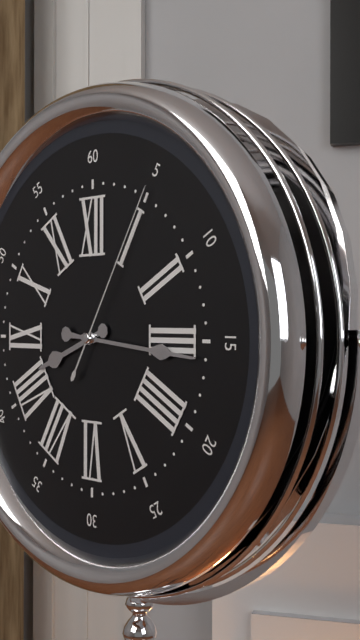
8:16:05
